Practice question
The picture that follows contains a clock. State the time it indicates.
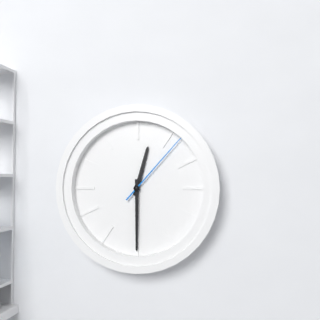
12:30:07
